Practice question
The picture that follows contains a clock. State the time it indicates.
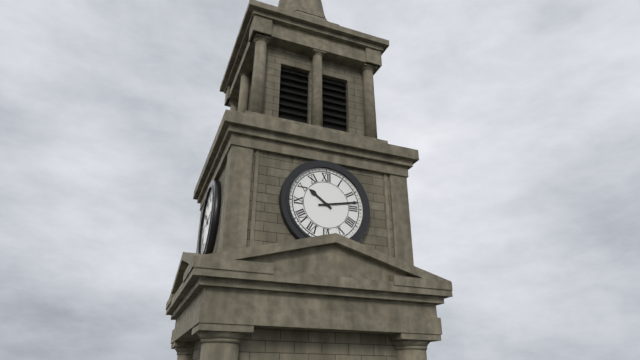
10:13
